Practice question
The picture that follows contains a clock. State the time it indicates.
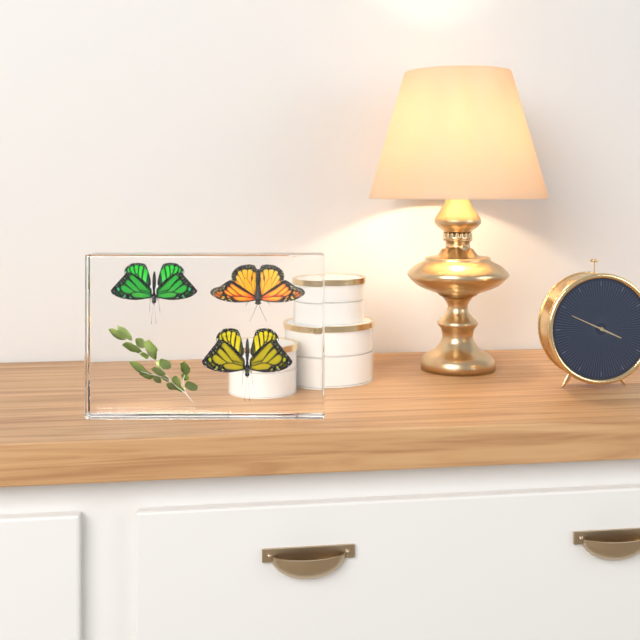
3:49
